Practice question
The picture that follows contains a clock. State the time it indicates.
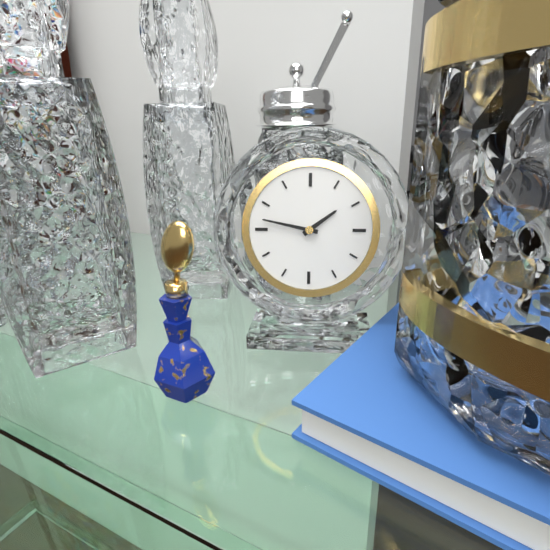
1:47
